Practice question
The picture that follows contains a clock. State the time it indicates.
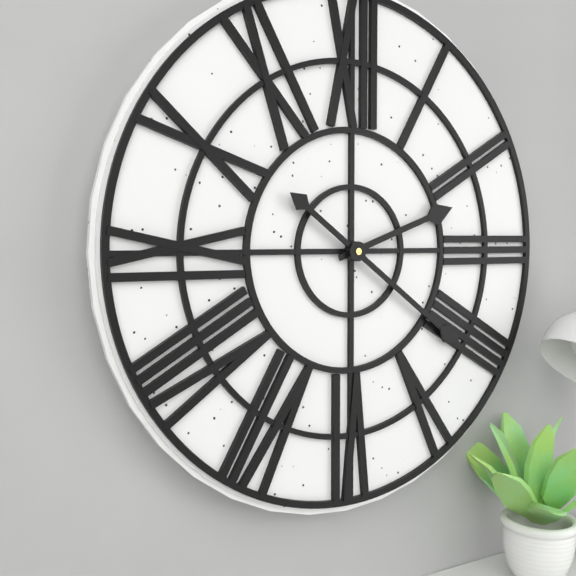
2:21
